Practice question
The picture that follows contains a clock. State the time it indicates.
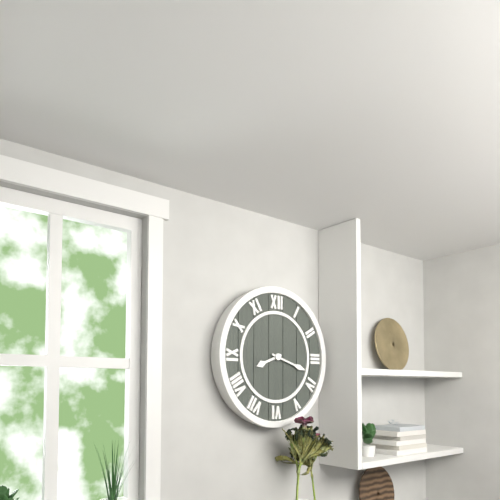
8:18
